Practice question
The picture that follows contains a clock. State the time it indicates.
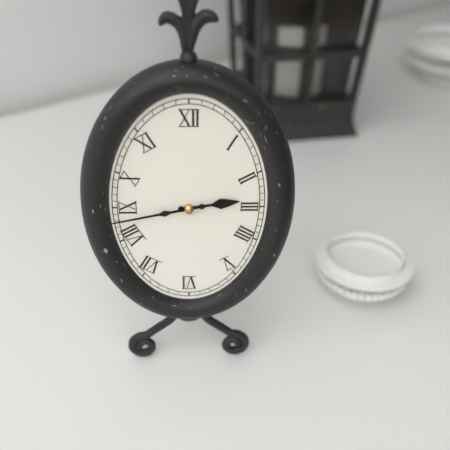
2:43
